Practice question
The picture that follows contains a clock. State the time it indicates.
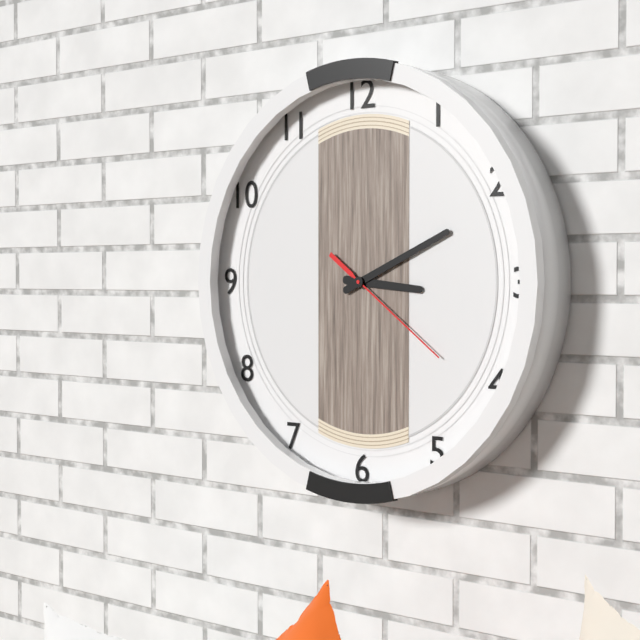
3:11:21
